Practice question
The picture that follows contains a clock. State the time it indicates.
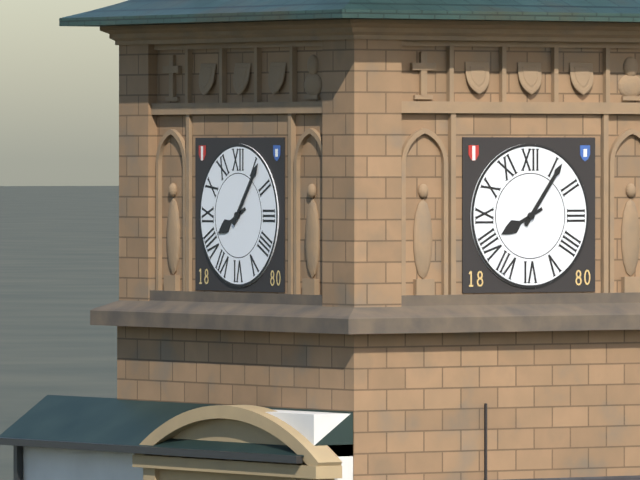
8:06
